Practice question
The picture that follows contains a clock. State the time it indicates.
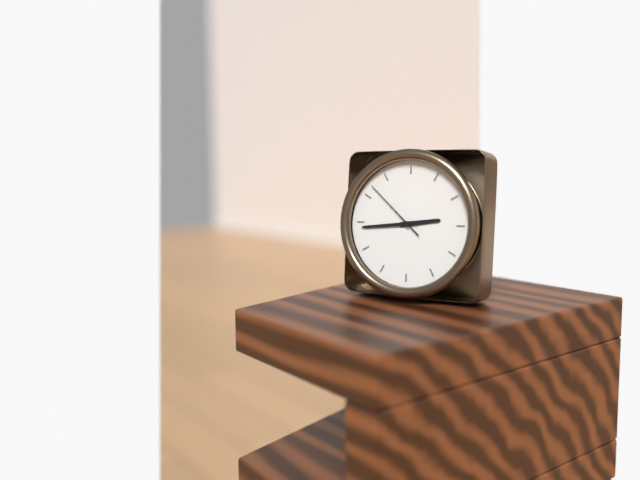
2:44:52
